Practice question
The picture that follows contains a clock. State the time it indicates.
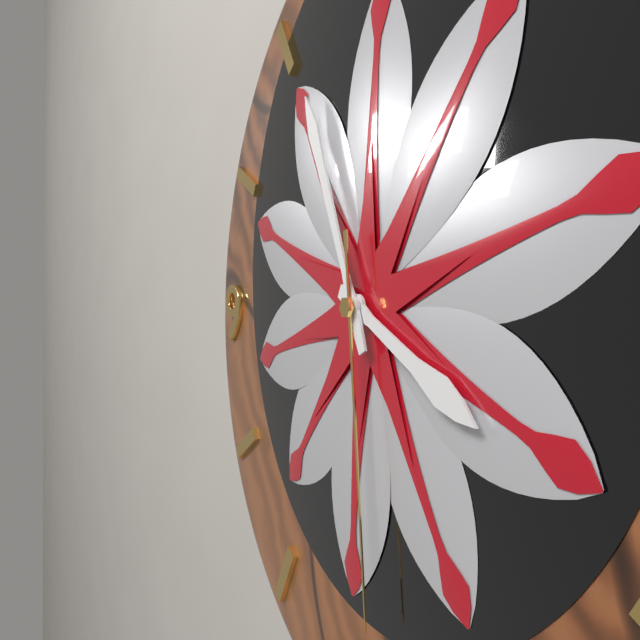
3:56:29
